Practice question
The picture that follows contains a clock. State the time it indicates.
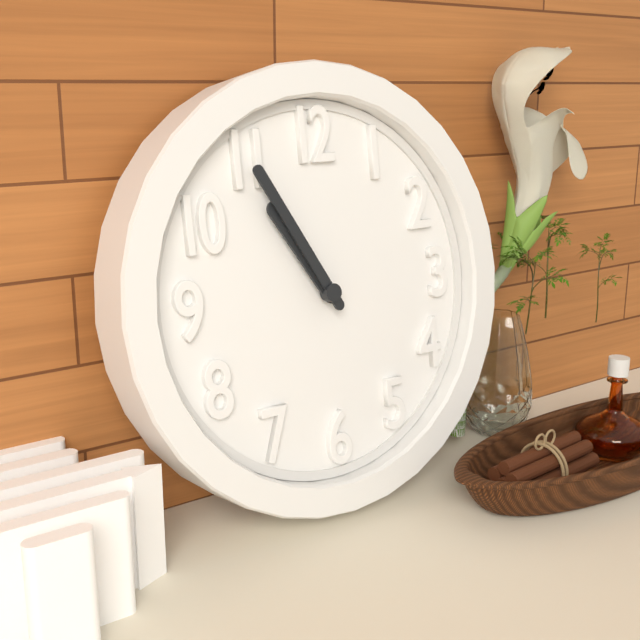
10:55
